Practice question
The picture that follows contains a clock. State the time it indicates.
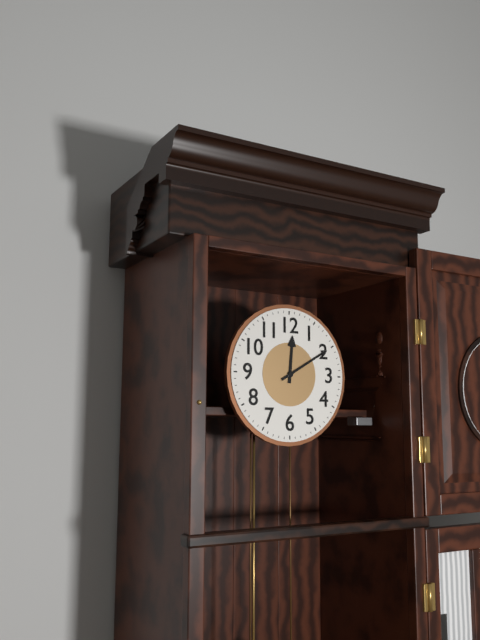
12:10
